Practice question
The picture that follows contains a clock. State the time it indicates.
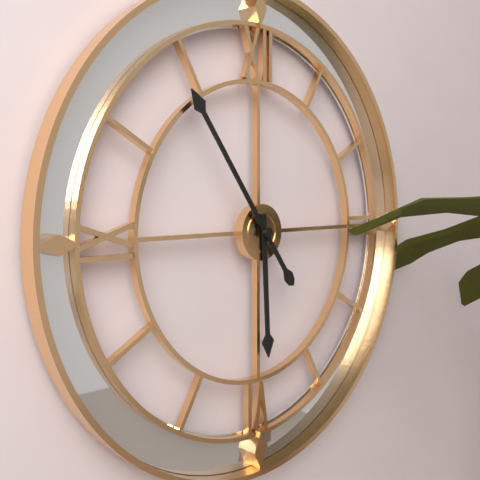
5:54
